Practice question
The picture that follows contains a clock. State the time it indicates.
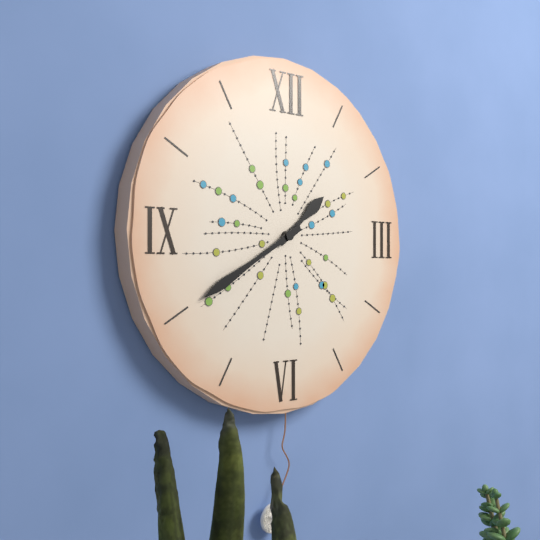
1:40
